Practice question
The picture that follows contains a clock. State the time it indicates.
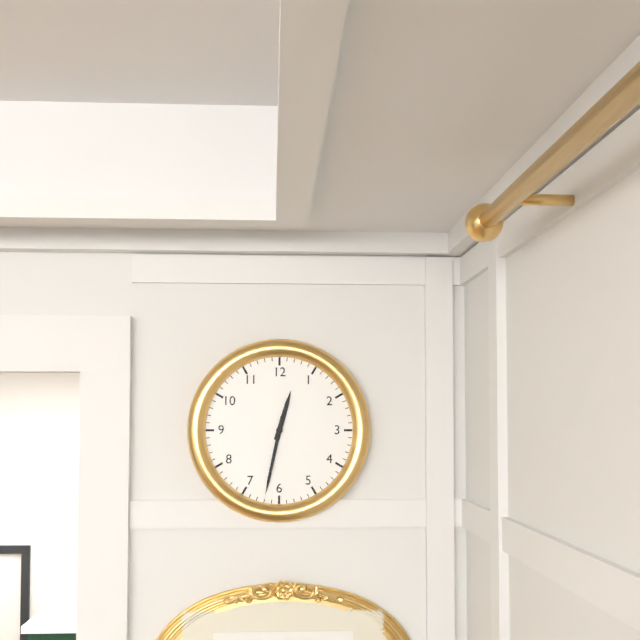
12:32
